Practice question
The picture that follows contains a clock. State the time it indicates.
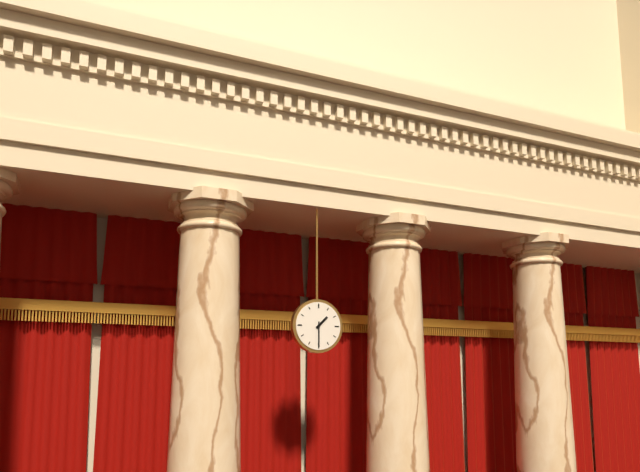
1:30
